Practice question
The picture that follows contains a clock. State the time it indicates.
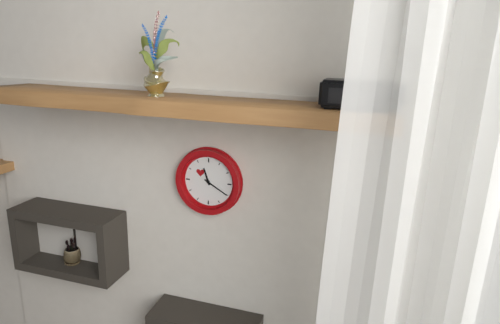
11:20
